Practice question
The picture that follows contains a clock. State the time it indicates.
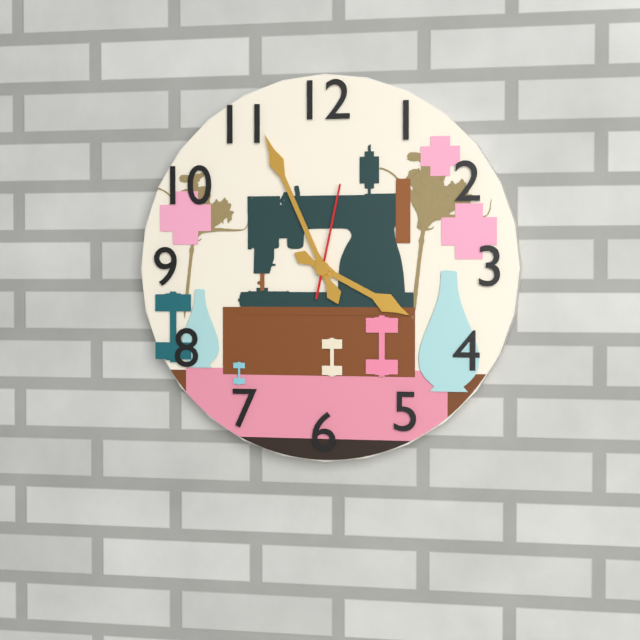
3:56:02
